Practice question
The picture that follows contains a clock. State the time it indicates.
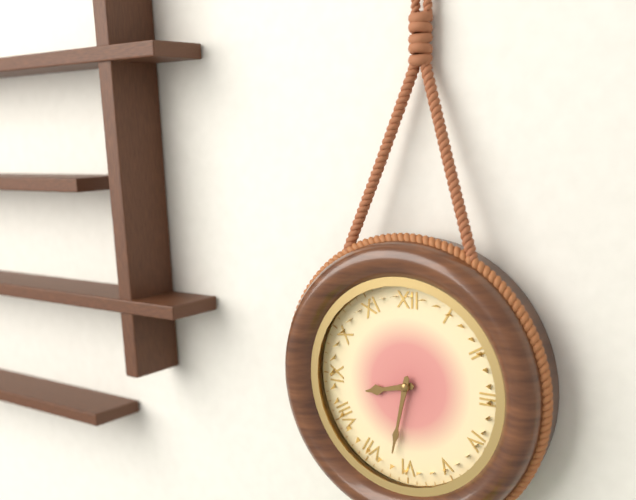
8:32
